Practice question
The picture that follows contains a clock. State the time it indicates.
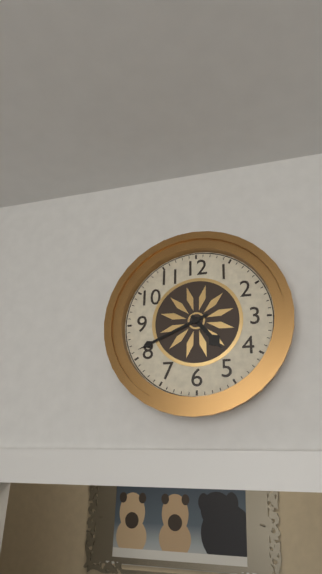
4:41
